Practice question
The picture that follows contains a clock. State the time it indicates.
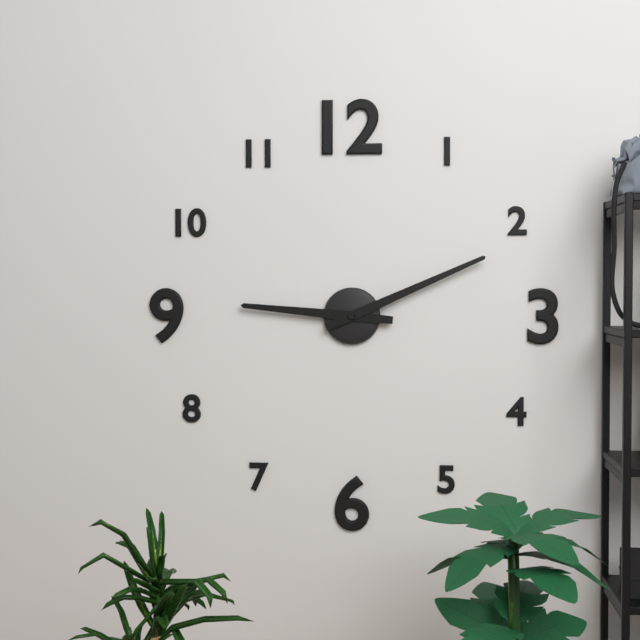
9:11
